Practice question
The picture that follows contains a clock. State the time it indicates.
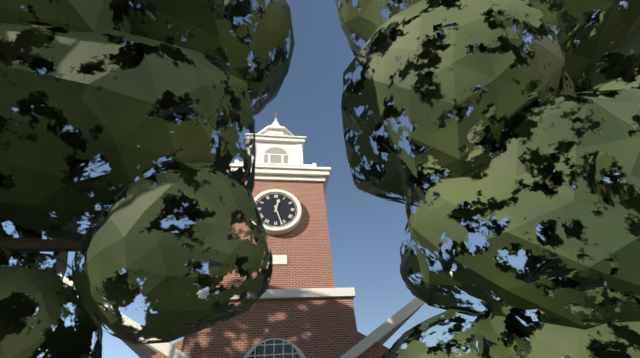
12:27
